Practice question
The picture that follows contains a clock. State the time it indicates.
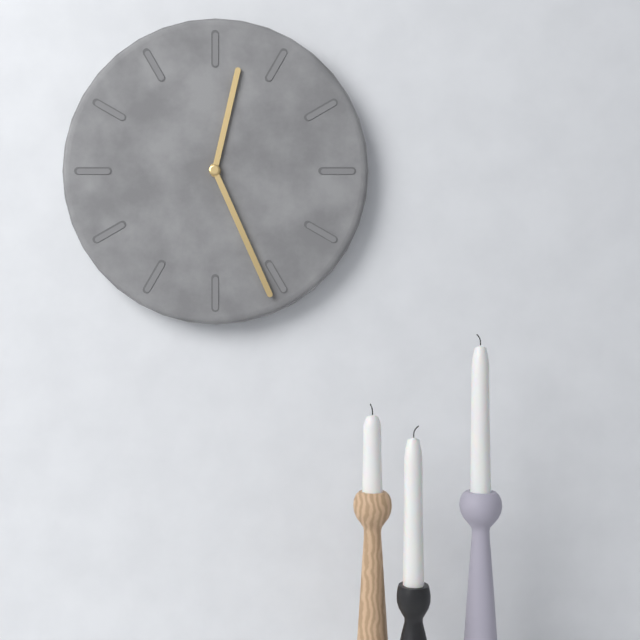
12:26
